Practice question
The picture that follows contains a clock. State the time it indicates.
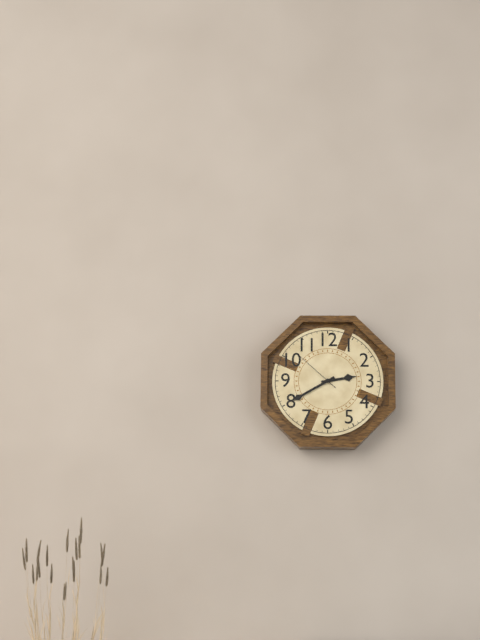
2:40:52
